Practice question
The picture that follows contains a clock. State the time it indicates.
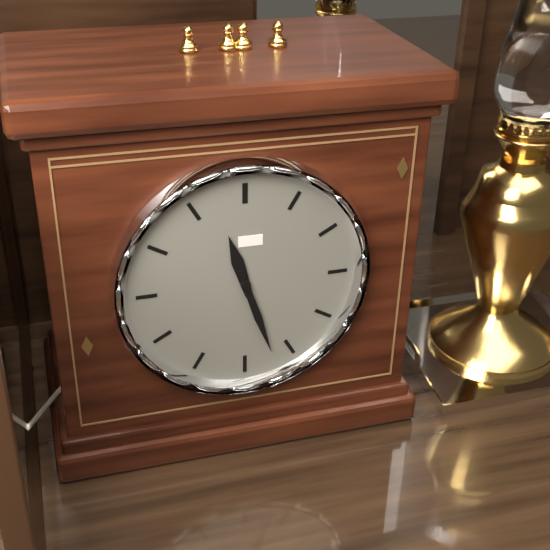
11:27
